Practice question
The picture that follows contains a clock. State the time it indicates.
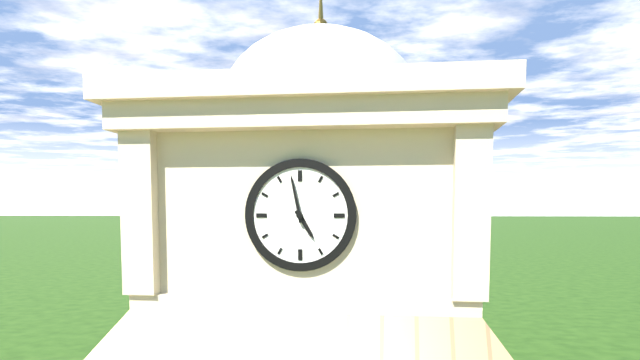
4:58
